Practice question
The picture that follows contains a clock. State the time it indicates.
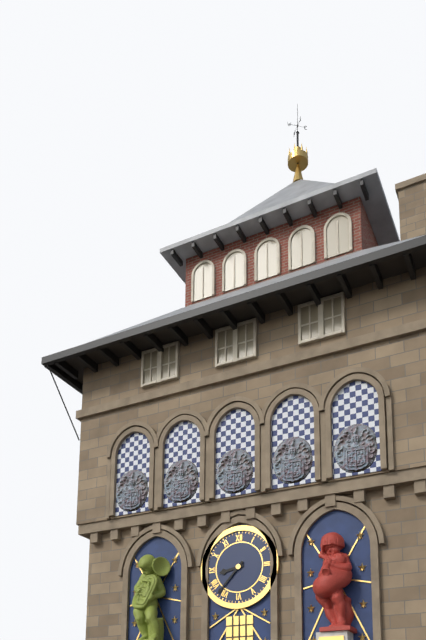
8:37
